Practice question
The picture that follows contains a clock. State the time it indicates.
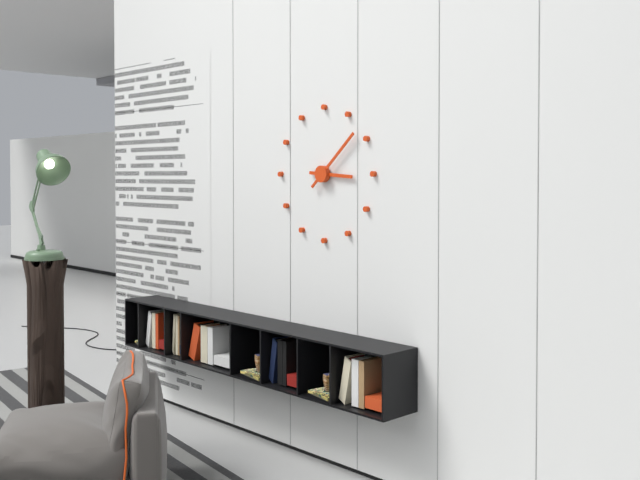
3:08
